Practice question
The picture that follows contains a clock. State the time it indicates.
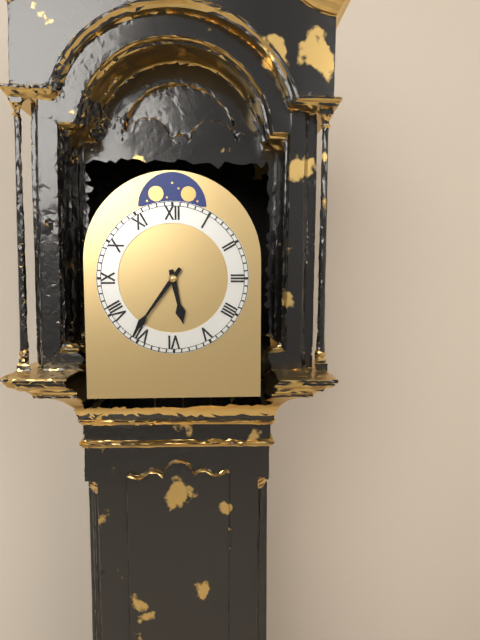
5:36
